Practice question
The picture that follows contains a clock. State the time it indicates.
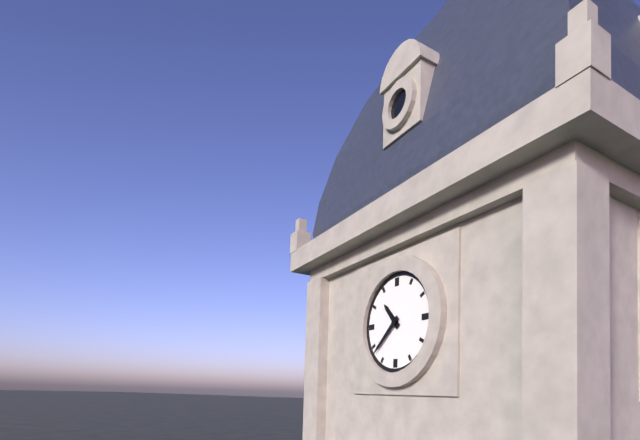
10:38
